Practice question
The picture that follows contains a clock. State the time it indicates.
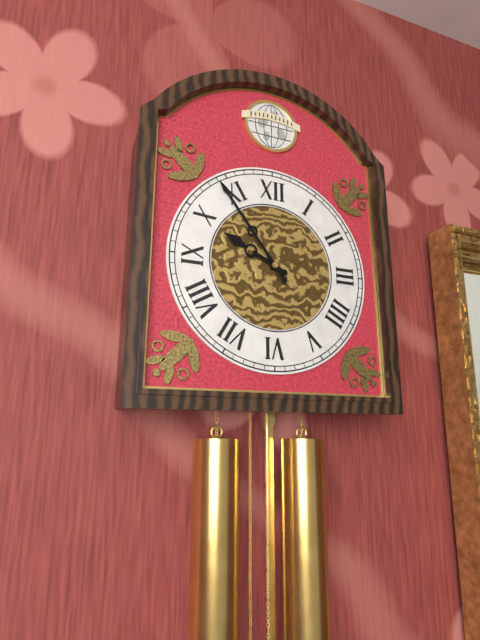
9:54
